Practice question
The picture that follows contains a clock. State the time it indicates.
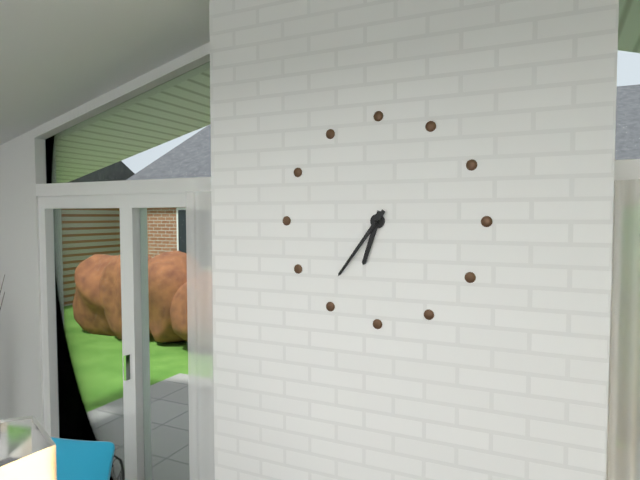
6:36
